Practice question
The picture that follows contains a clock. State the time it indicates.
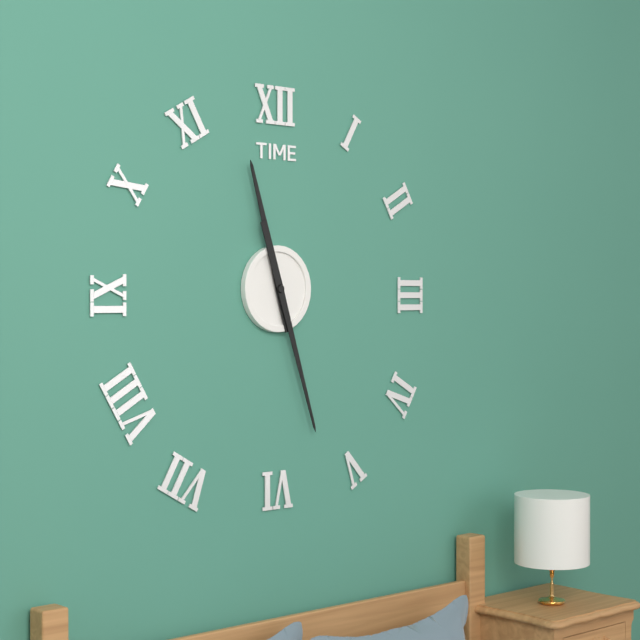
11:27
